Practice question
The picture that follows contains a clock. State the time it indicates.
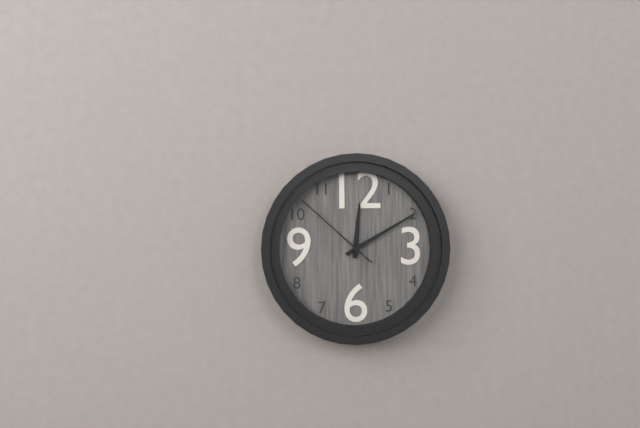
12:10:52
